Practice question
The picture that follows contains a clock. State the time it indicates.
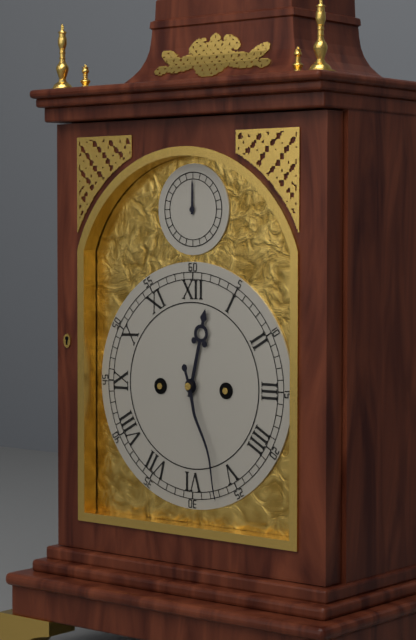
12:27
